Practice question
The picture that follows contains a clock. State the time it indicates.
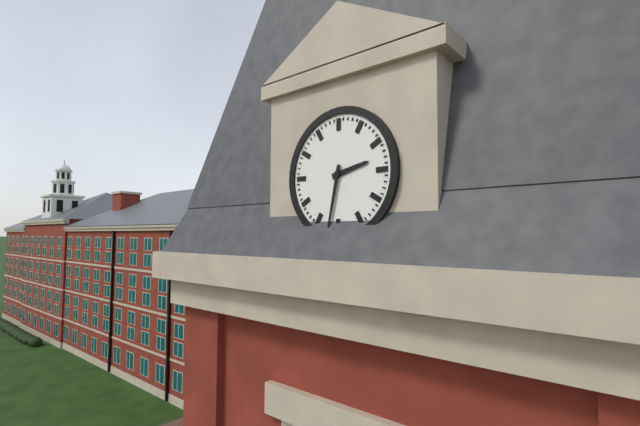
2:32
